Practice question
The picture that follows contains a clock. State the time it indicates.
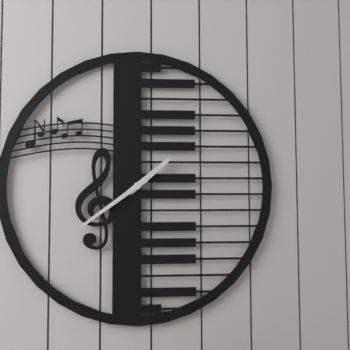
1:39
